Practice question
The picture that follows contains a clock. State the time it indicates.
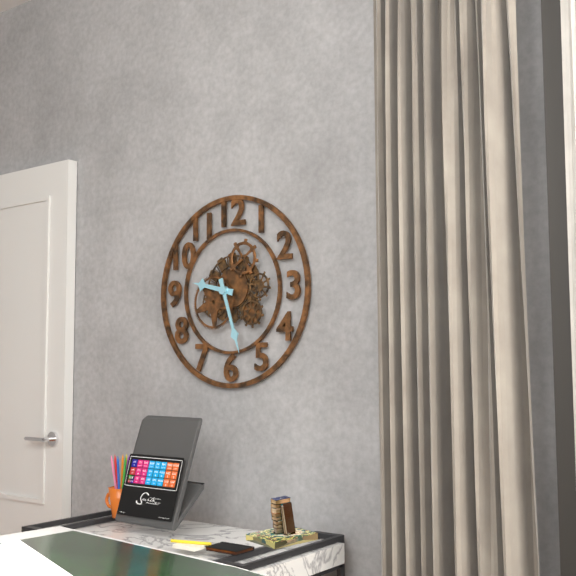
9:27
